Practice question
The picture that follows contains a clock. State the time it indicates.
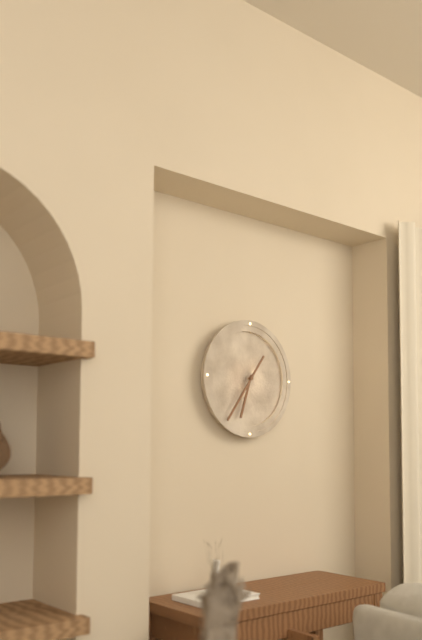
6:36
